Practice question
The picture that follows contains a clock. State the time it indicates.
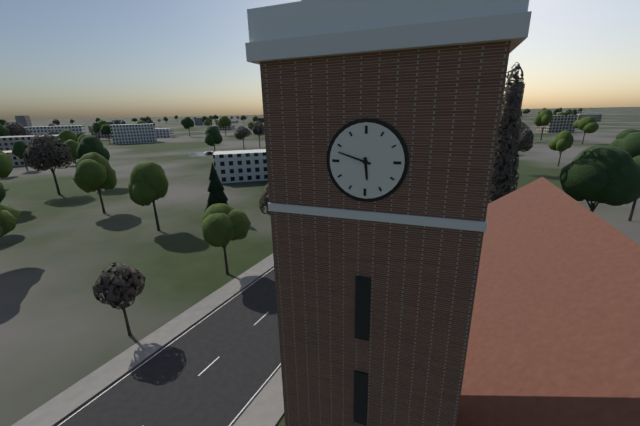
5:48
